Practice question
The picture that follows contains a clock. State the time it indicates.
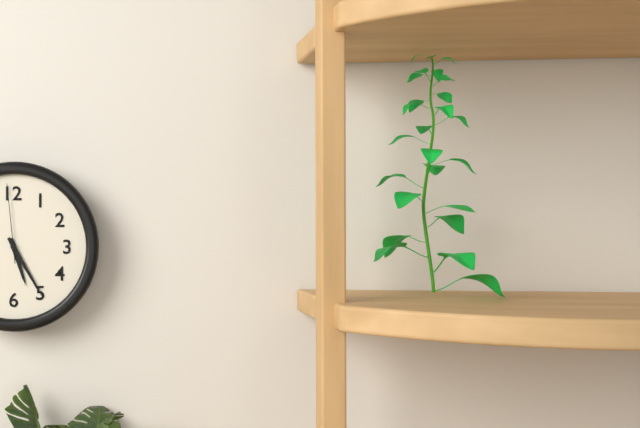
5:25:59
